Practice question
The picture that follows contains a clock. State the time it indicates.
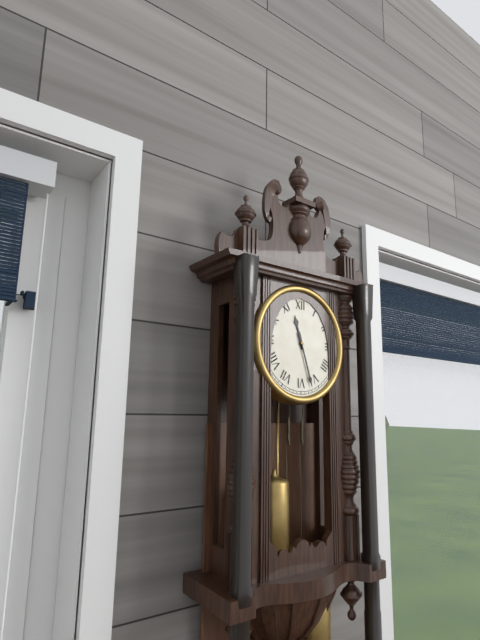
11:27
